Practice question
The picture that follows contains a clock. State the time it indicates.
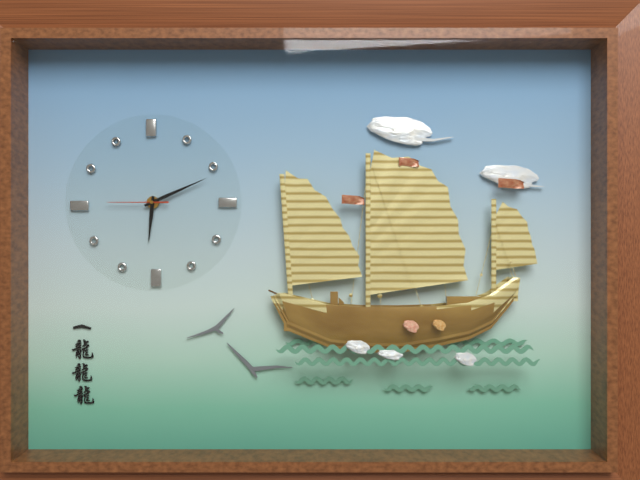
6:11:45
